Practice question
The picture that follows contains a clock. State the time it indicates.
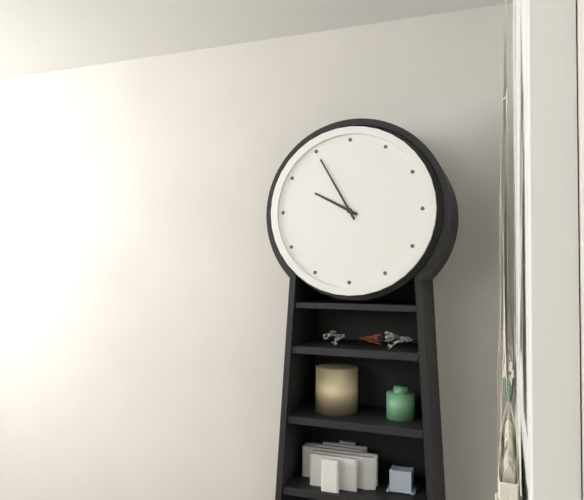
9:55
